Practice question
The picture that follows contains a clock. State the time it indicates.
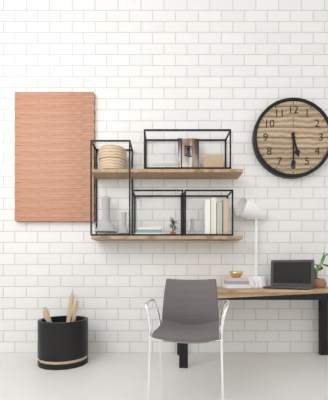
5:30
